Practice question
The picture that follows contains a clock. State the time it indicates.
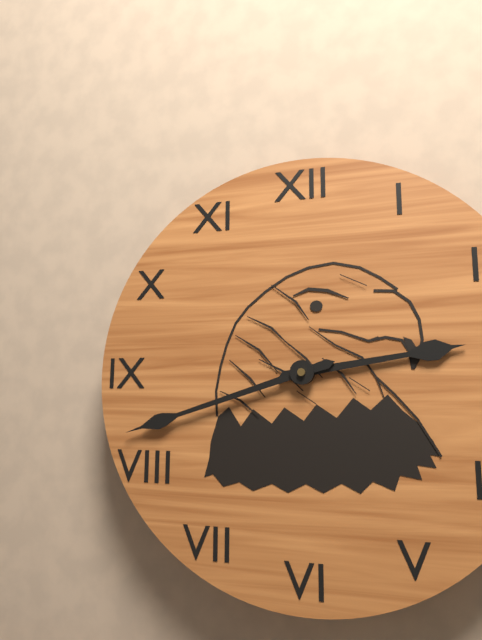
2:42
